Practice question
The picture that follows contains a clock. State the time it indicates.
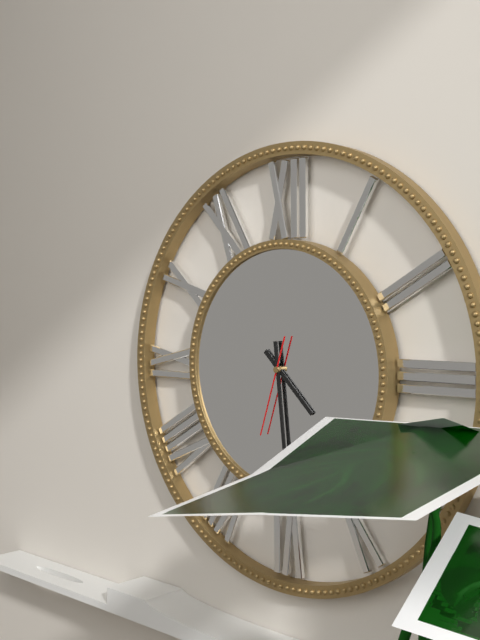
4:29:33
